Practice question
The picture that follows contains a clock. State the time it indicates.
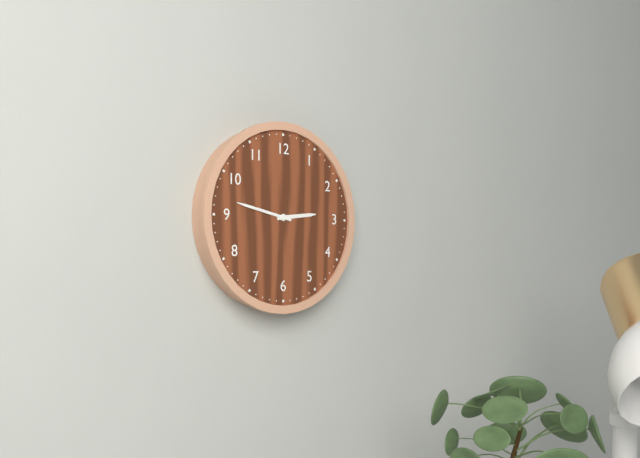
2:47
